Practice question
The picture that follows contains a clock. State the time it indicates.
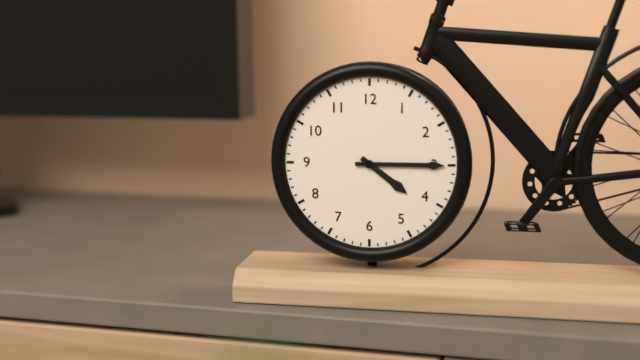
4:15
